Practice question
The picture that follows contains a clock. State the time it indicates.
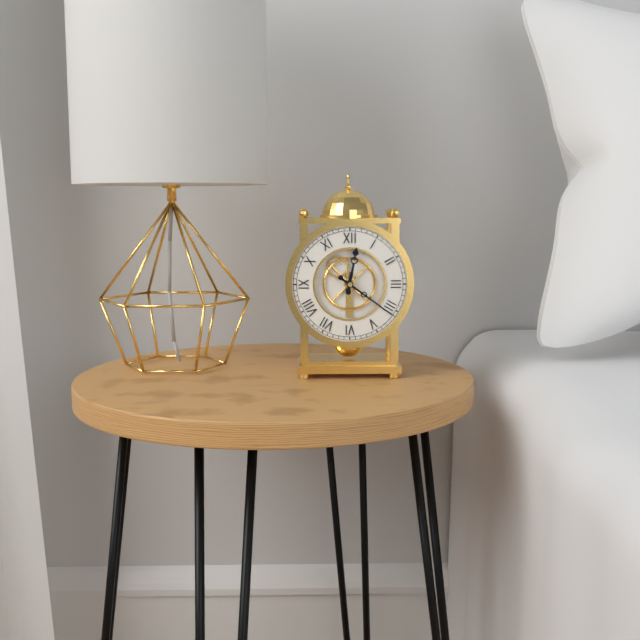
12:21
